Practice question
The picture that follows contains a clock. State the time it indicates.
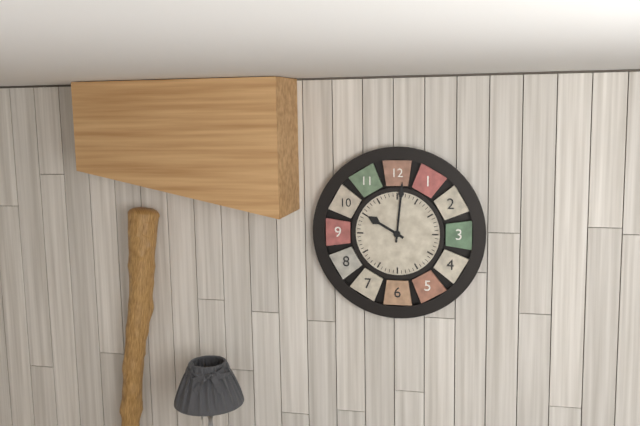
10:01
